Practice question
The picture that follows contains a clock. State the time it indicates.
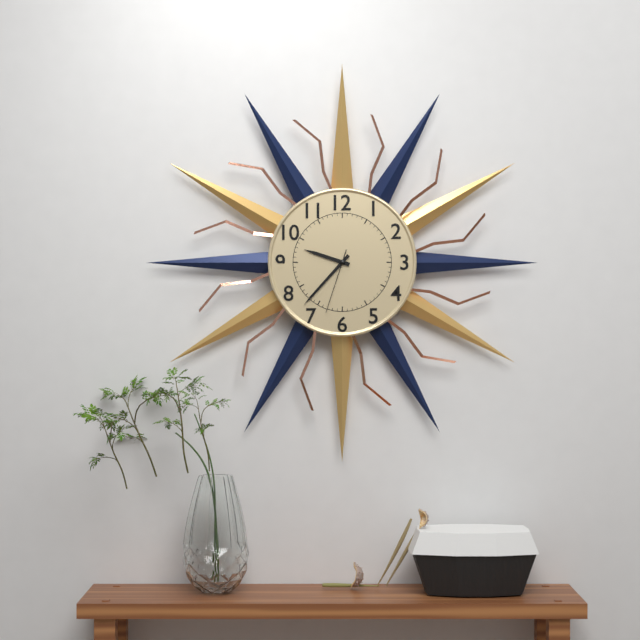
9:37:33
